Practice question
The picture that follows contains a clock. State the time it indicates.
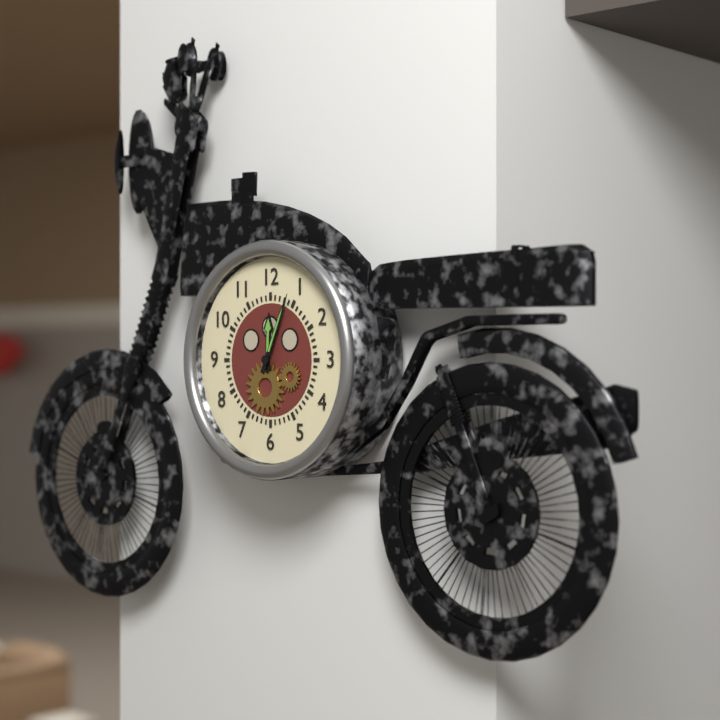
12:04
